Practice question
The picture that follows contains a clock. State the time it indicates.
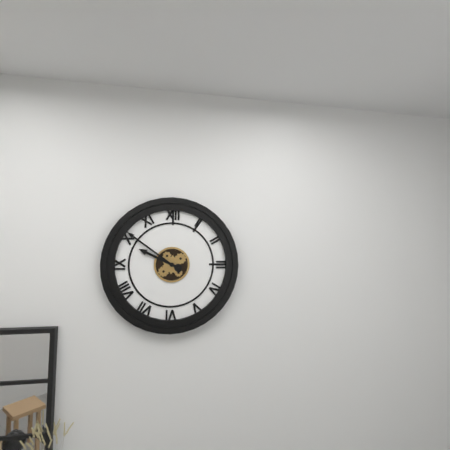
9:51
